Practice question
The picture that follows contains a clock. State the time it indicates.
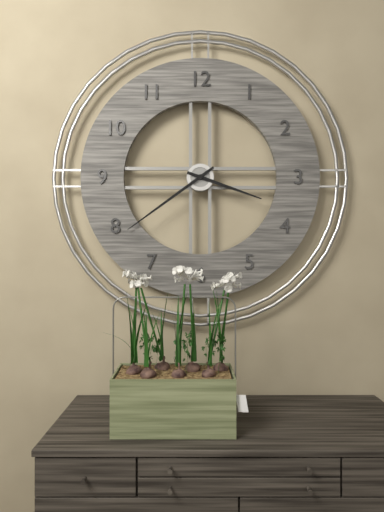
3:39
